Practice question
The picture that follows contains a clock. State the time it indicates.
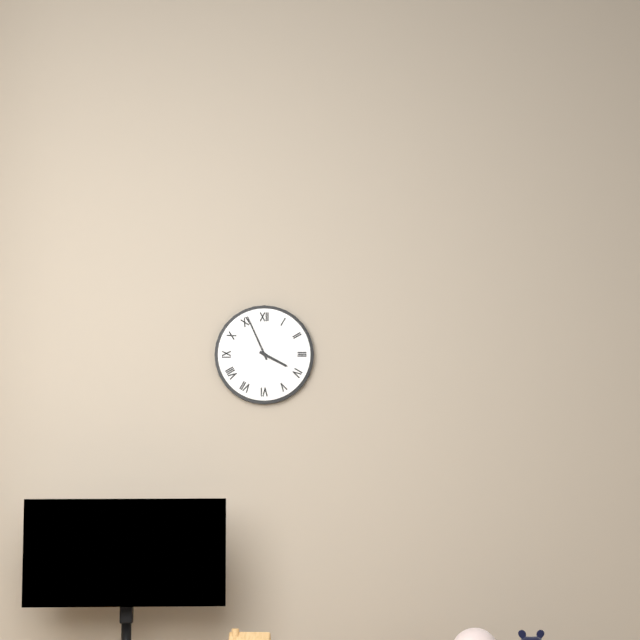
3:56
